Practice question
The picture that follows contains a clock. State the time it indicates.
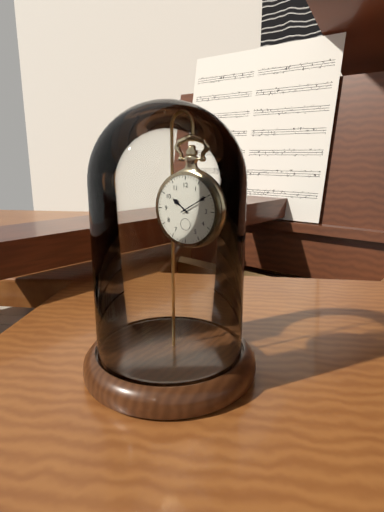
10:10
